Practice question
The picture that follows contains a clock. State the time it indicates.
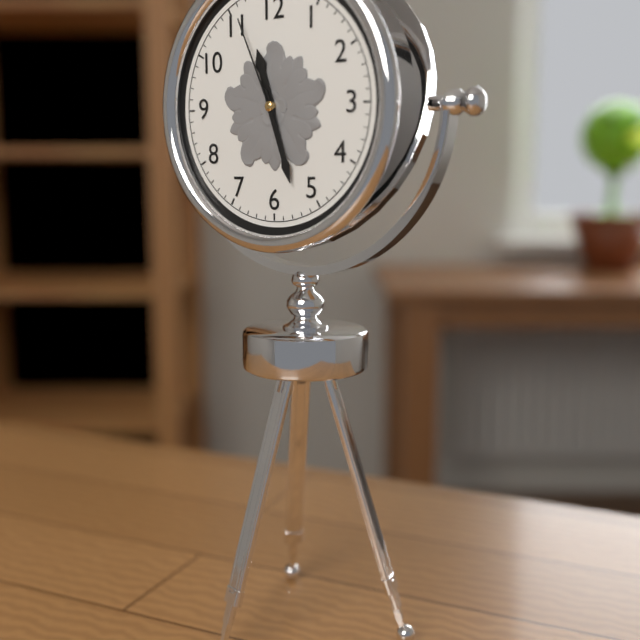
11:27:56
